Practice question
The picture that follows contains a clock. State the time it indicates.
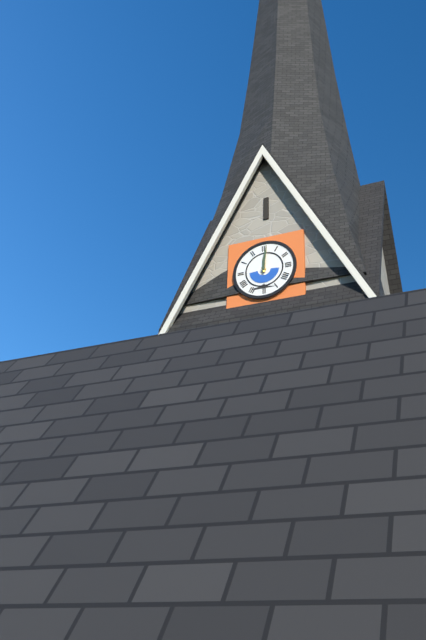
12:01
